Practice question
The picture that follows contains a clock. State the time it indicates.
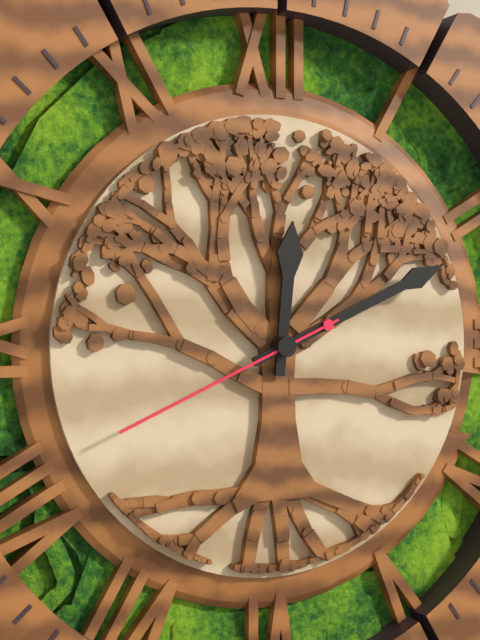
12:11:41
